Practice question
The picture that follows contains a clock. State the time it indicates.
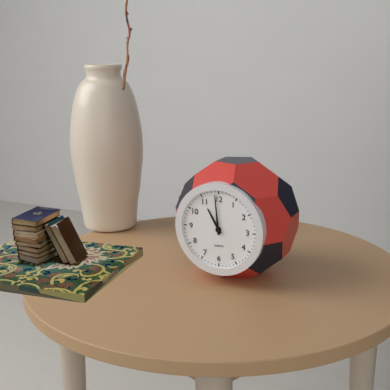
10:59
